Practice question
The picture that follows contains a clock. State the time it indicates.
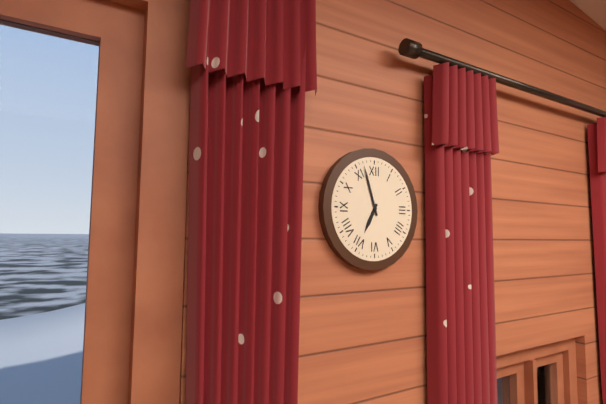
6:57
